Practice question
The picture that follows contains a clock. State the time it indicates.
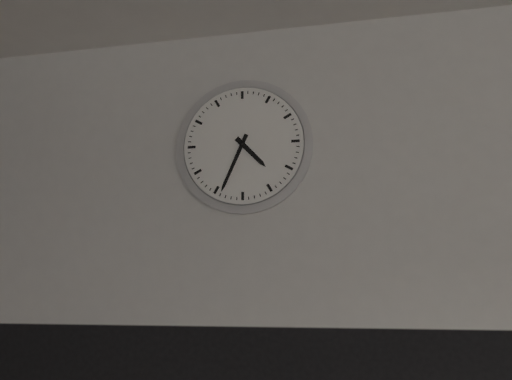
4:34
